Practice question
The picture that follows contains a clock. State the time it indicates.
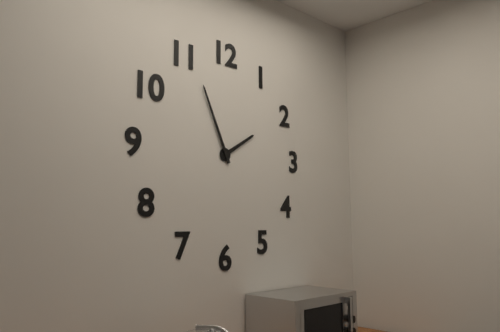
1:56
